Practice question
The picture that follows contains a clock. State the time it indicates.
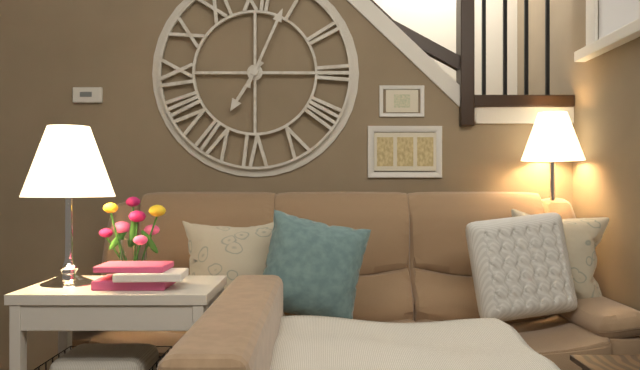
7:04
